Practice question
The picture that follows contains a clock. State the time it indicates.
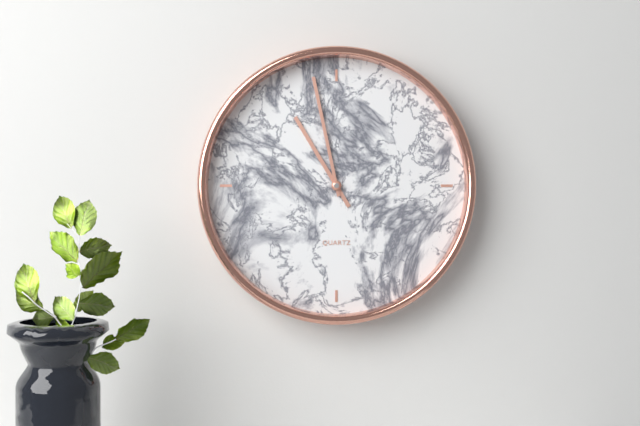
10:58
